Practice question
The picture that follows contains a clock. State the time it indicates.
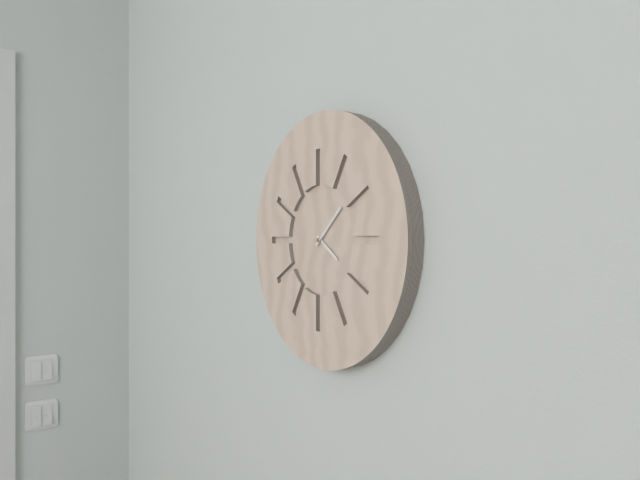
4:08
